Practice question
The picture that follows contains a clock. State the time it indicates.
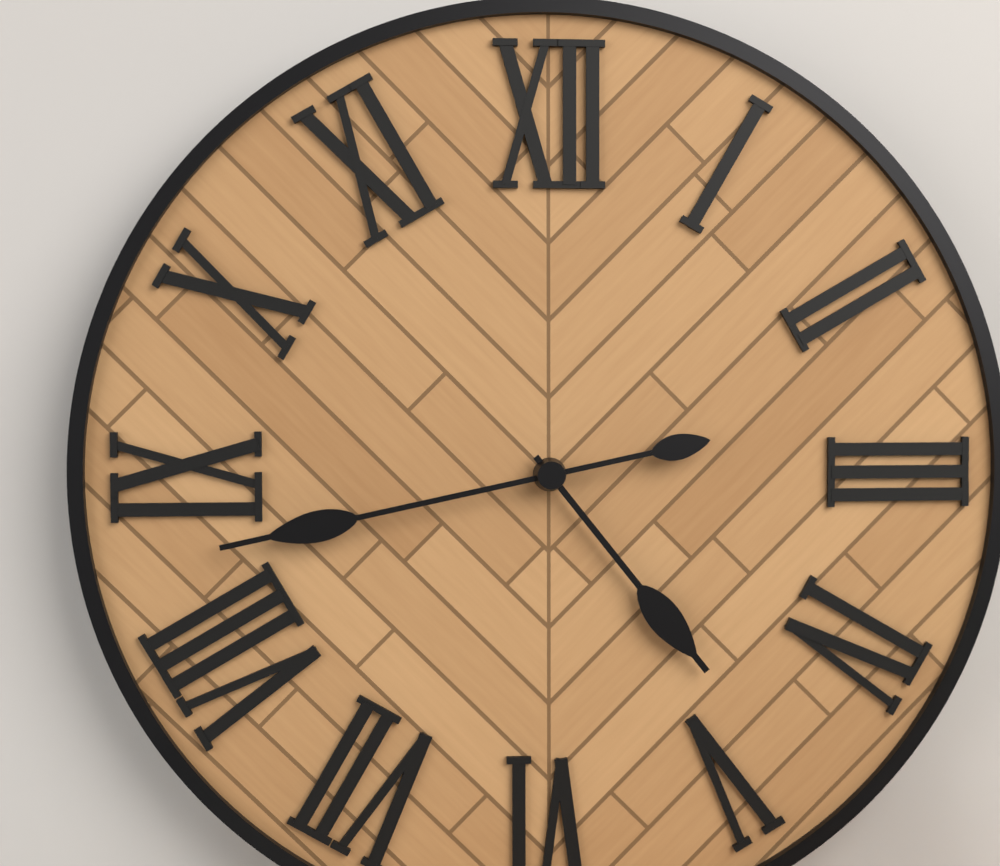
4:43
